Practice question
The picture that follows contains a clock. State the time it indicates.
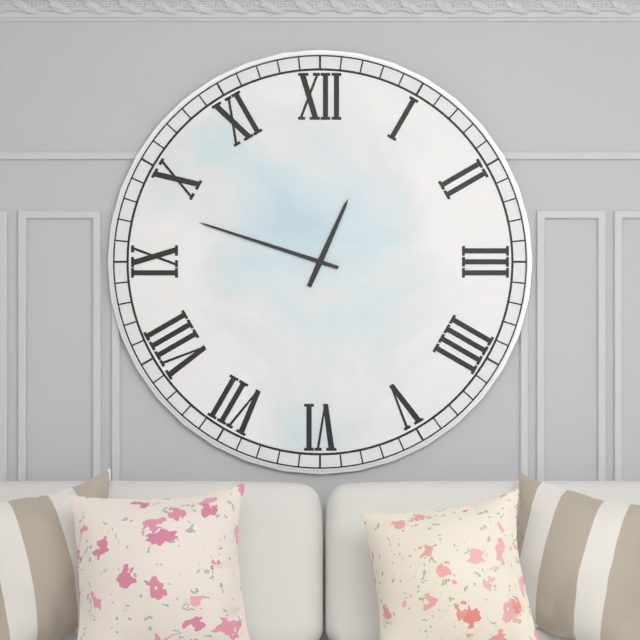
12:48
